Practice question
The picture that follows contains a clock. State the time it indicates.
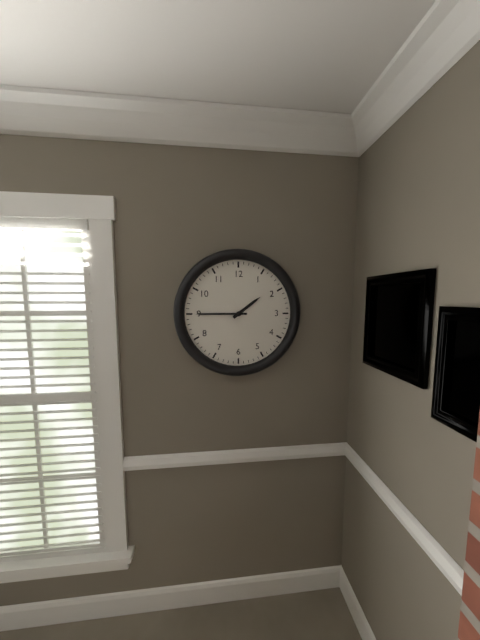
1:45
